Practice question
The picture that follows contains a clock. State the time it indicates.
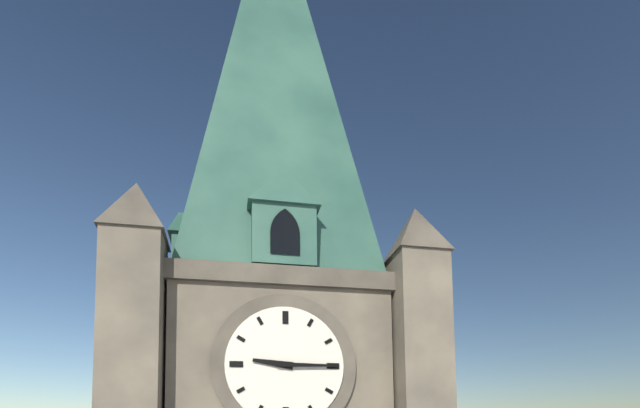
9:15
